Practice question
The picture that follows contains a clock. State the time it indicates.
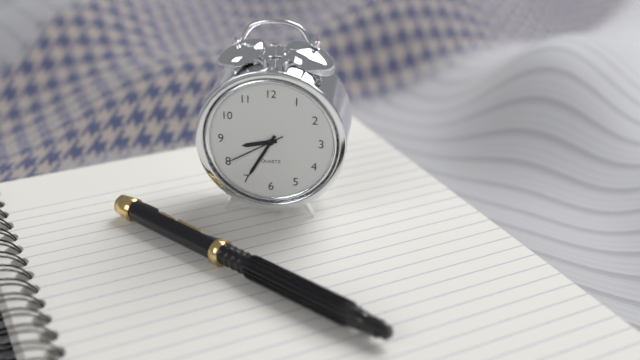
8:35:40
